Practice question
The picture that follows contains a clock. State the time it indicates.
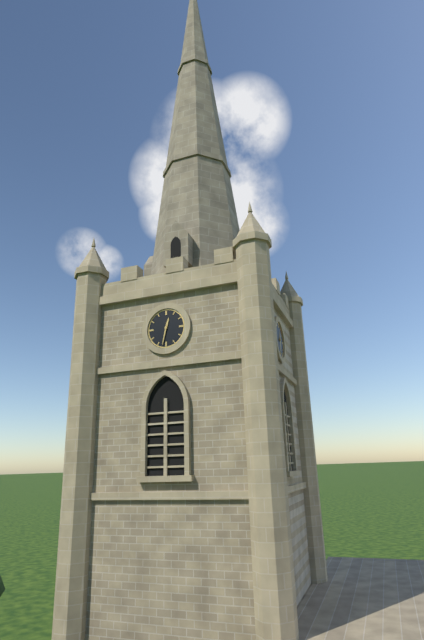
12:32
